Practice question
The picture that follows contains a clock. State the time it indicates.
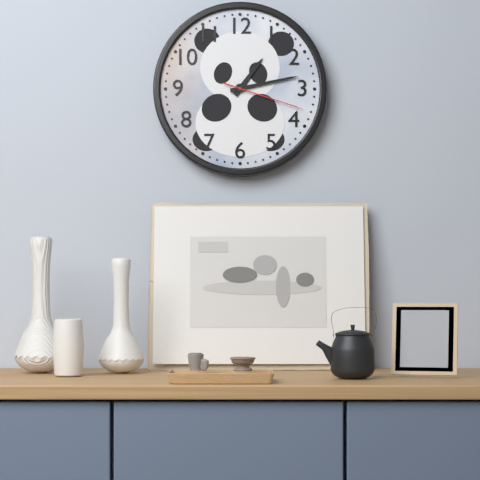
1:13:18
